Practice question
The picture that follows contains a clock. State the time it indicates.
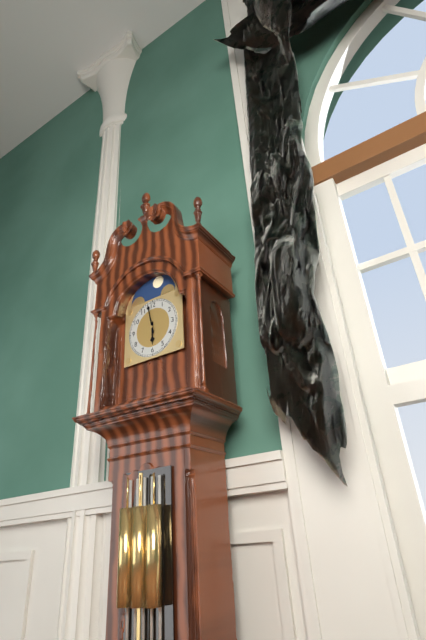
5:58
